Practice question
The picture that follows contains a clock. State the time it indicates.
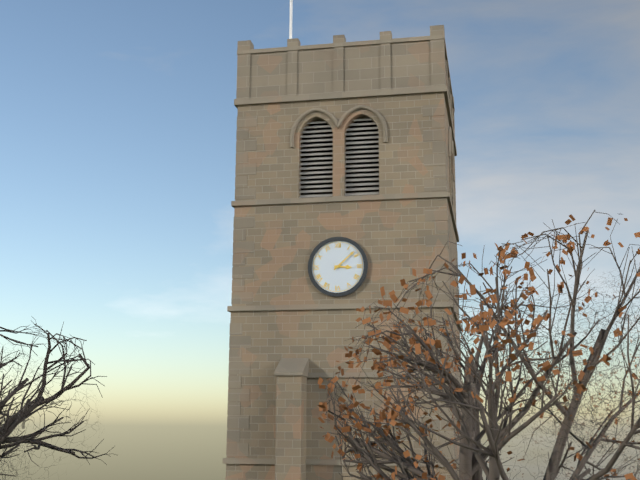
3:08
